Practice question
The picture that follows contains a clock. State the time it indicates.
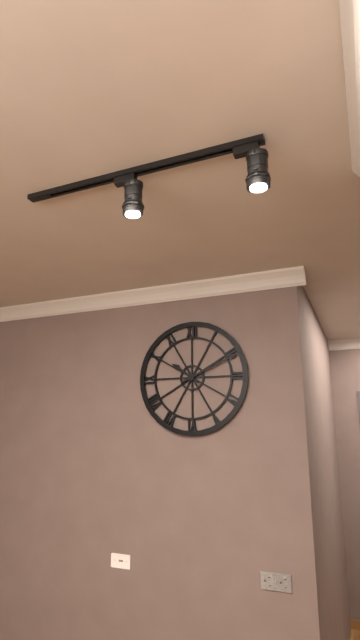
10:11
